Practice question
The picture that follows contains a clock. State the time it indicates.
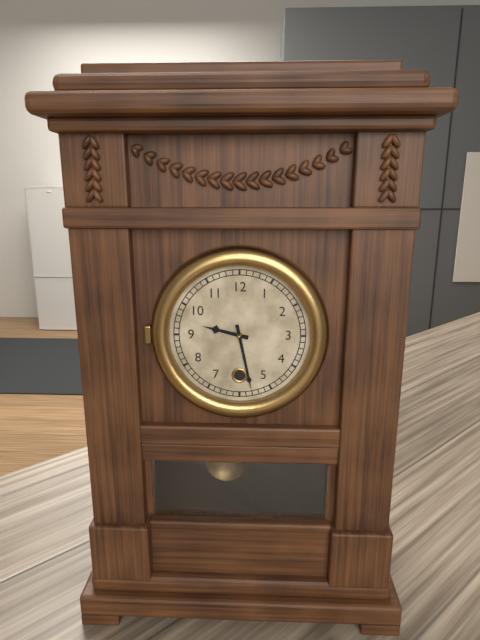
9:28
